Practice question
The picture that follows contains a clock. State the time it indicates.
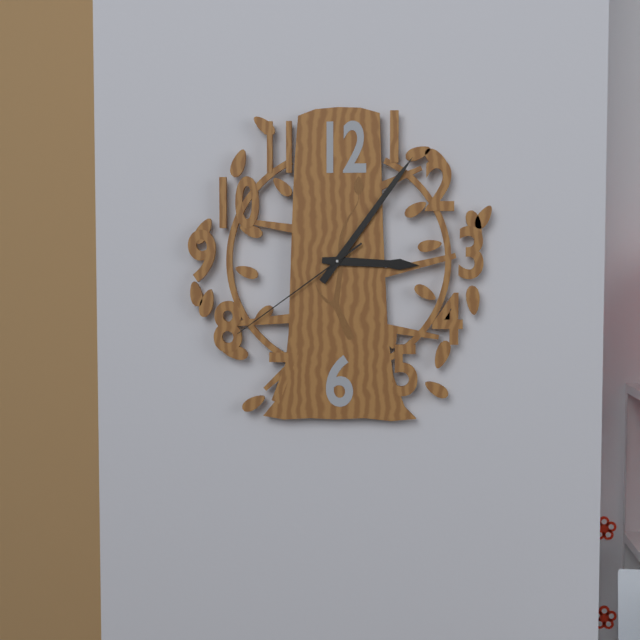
3:06:39
